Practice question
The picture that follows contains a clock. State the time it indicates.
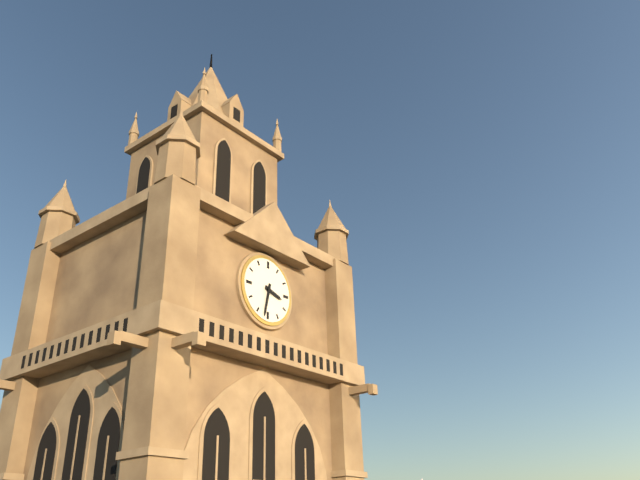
3:32
